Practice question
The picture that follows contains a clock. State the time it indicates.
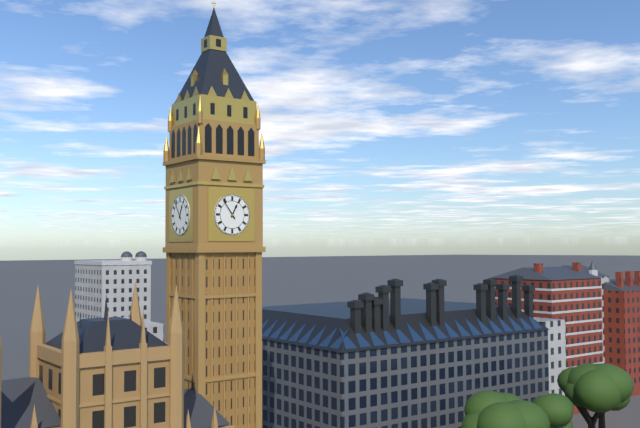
12:54
